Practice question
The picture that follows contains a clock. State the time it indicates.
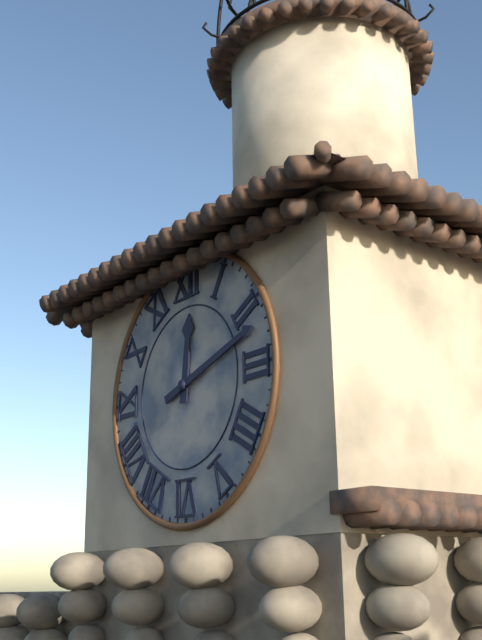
12:12
